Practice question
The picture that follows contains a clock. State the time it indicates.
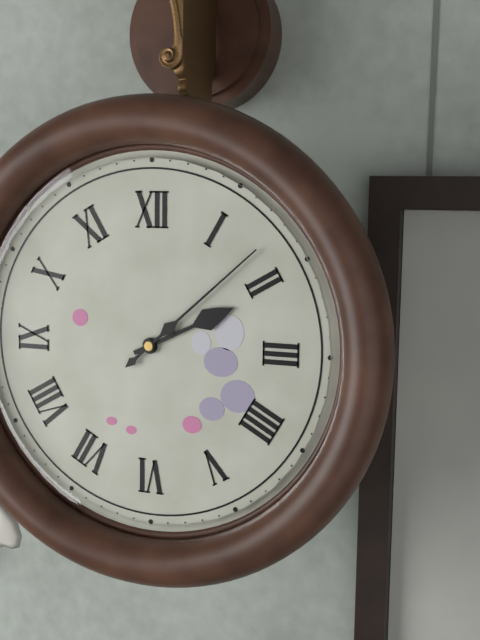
2:08
